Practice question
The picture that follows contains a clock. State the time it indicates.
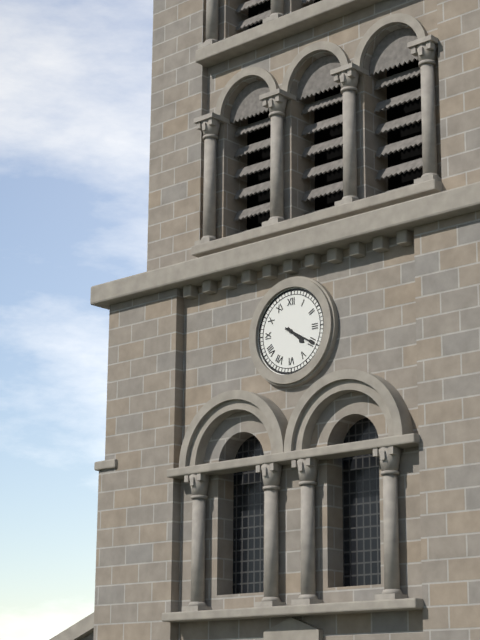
4:20
